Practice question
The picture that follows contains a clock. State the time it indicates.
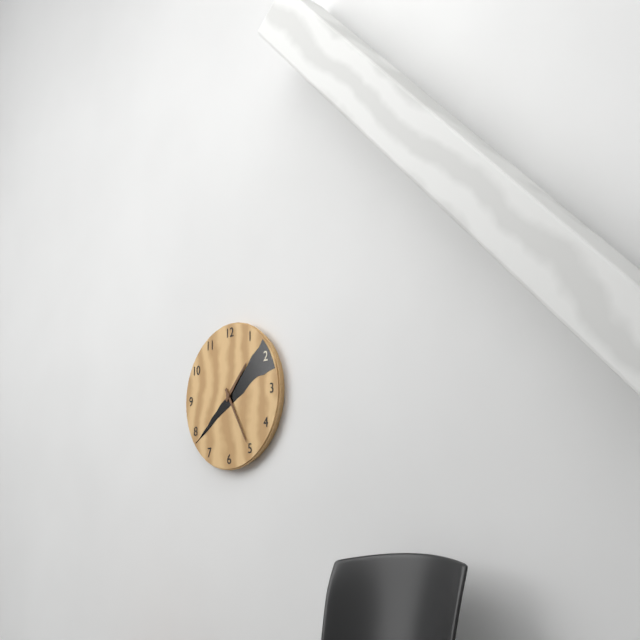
1:25
